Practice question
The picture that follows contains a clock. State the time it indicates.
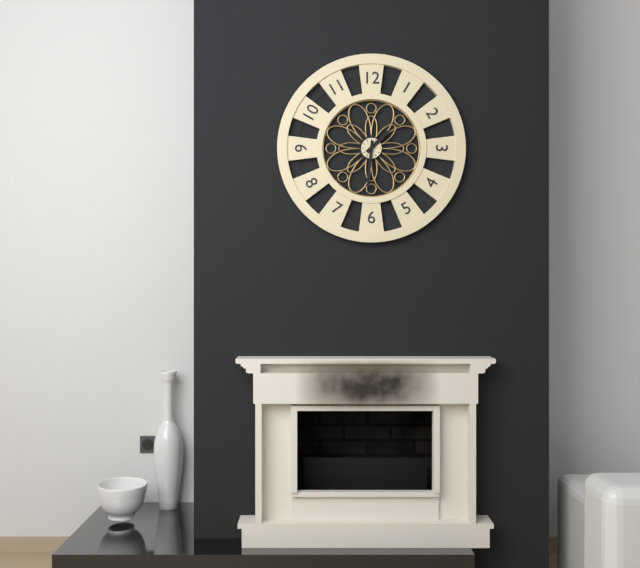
1:31
